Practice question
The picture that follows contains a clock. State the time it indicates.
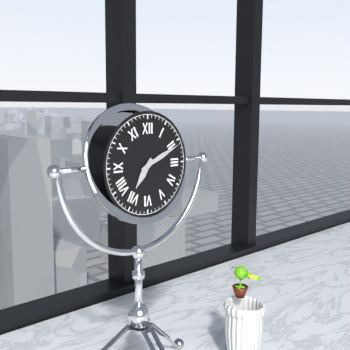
7:11
